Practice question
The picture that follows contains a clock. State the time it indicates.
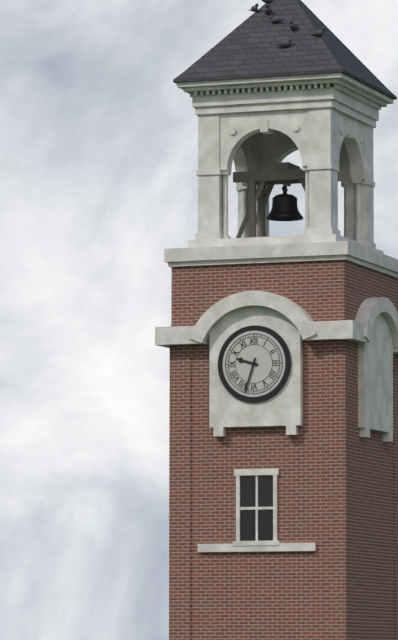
9:33
